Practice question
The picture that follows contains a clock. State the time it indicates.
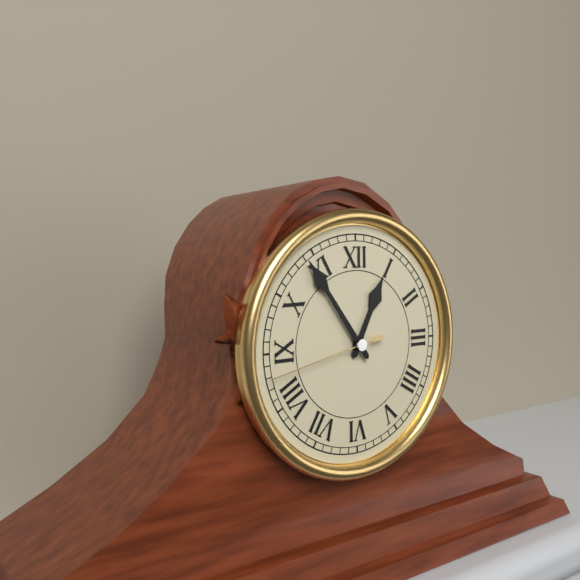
12:54:43
